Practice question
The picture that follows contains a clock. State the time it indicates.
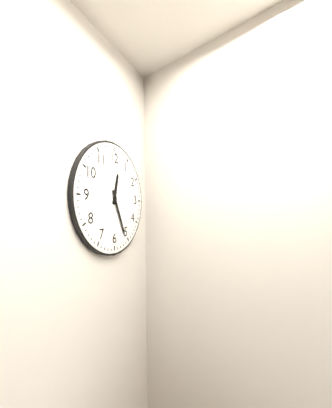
12:26
